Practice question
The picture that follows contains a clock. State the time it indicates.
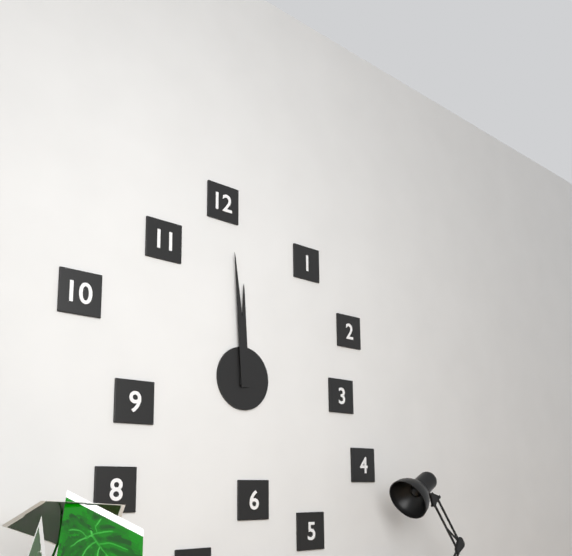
11:59
